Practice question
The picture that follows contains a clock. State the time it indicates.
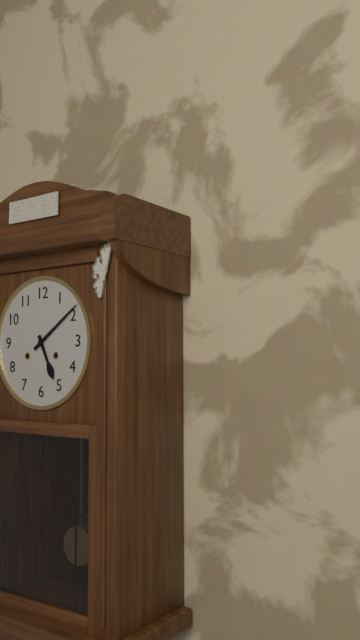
5:09
